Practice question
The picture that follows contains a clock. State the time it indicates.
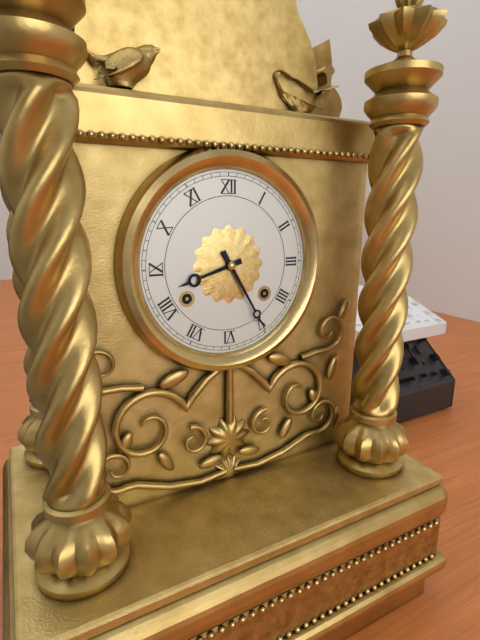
8:25
